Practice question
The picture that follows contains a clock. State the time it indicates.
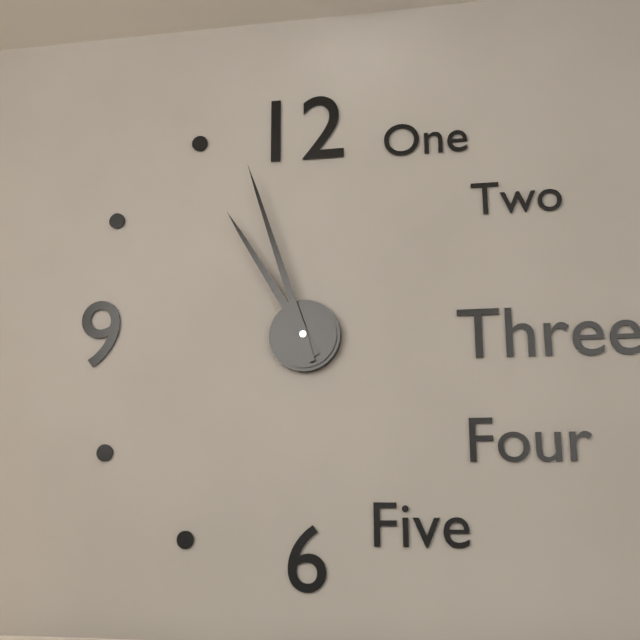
10:57
